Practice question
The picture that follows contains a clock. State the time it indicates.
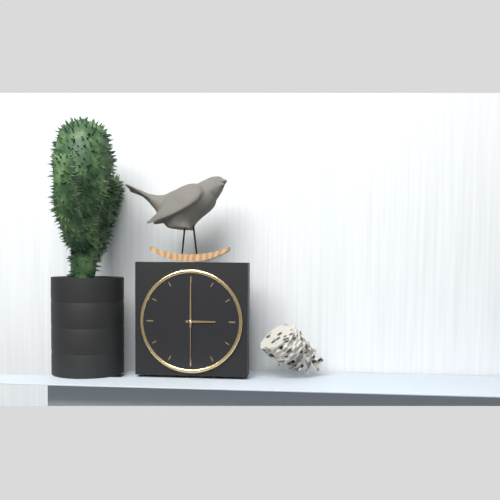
3:00:30
